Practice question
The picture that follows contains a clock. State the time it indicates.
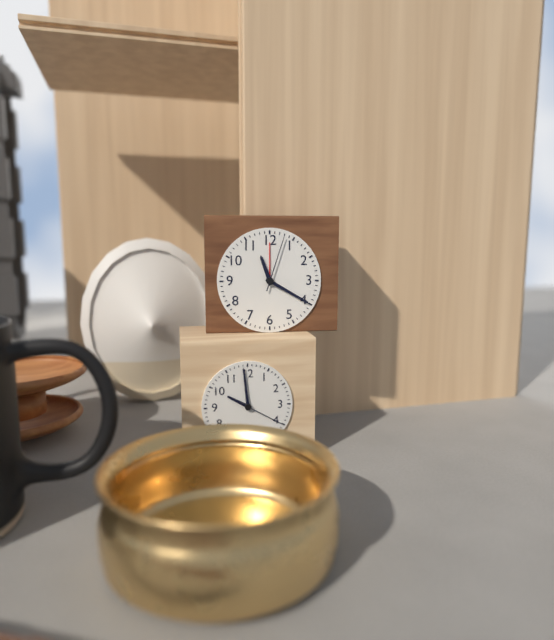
11:20:03
